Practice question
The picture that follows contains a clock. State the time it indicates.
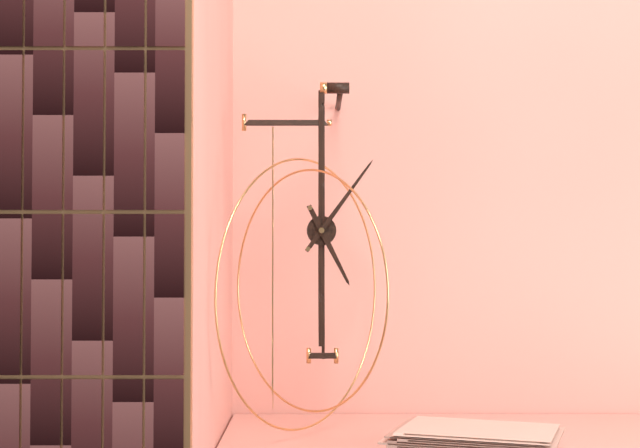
5:06
